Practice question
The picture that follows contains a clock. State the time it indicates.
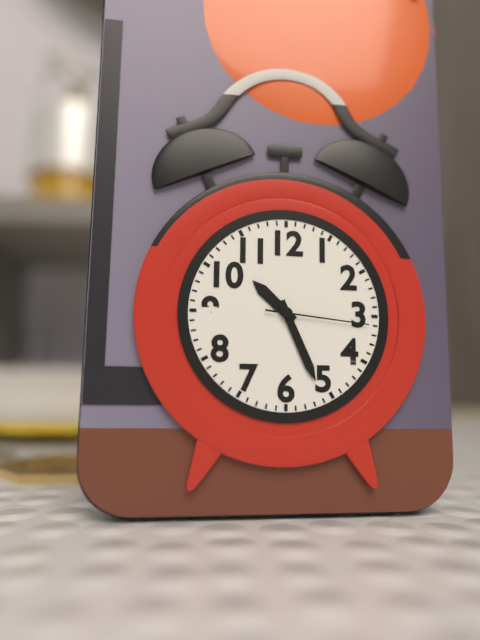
10:26:16
